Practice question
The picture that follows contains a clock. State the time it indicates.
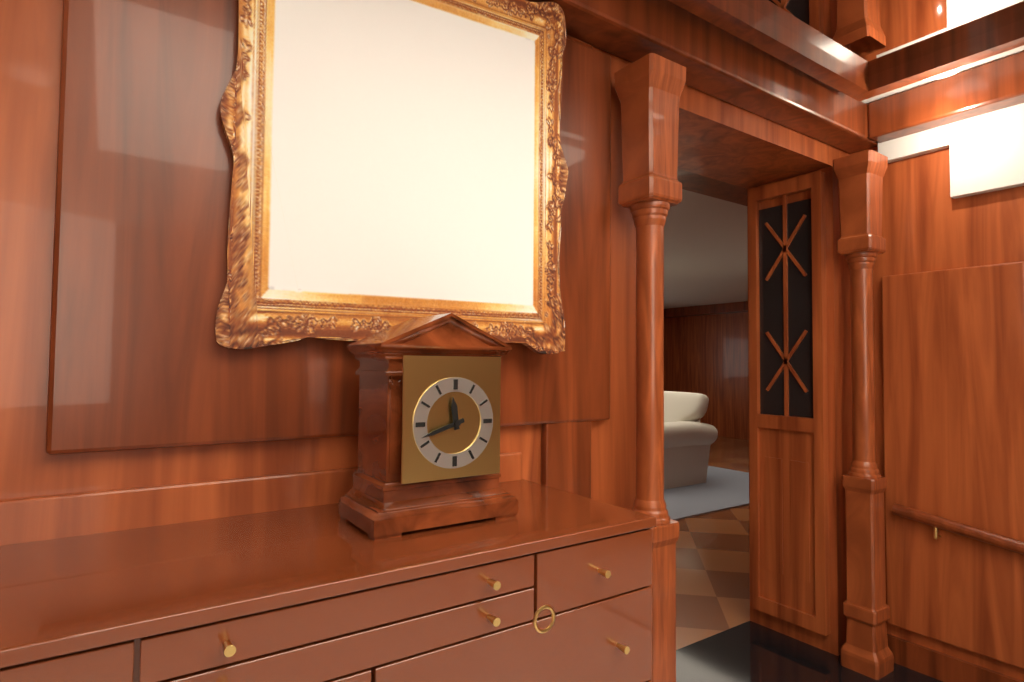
11:42
